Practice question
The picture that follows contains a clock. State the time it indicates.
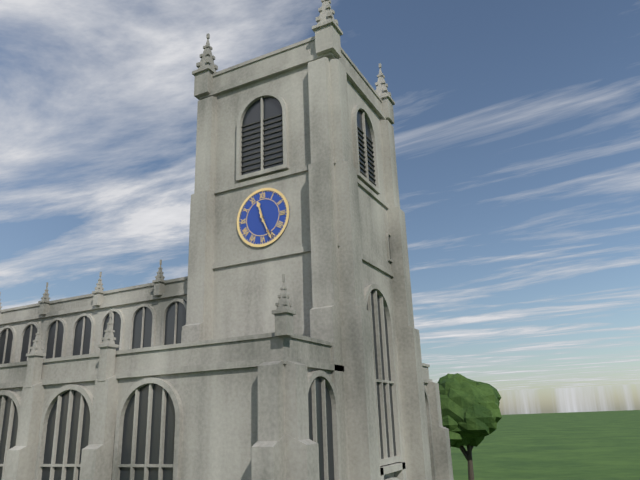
11:26
